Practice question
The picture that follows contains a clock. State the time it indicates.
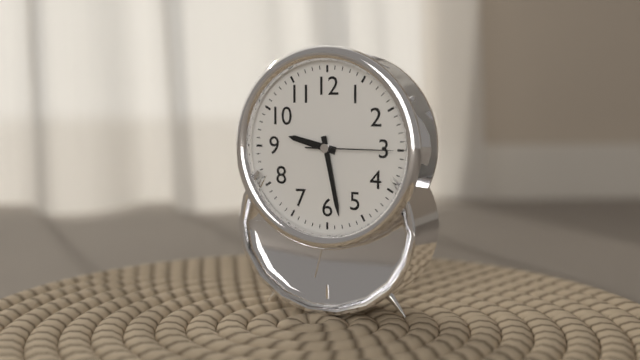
9:28:15
